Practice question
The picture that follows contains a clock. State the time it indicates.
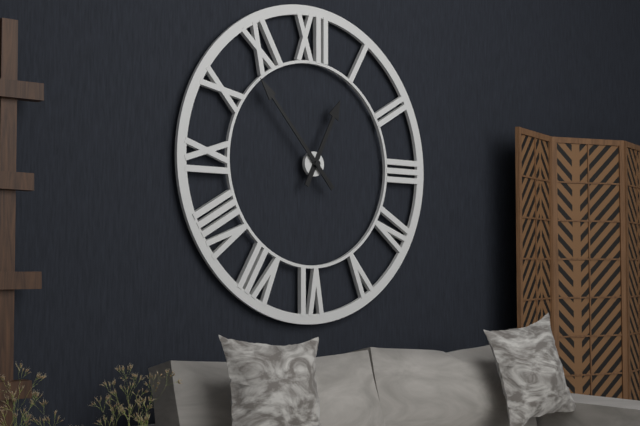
12:53
